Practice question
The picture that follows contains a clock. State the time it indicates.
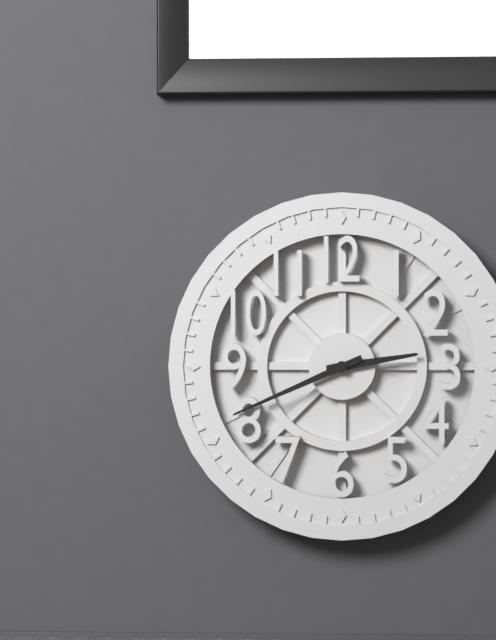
2:41
